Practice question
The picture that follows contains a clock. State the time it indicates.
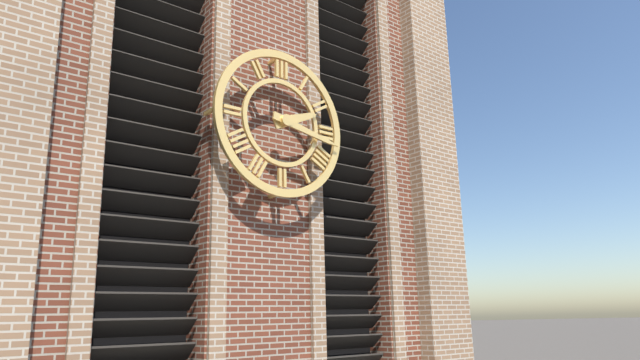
2:17
